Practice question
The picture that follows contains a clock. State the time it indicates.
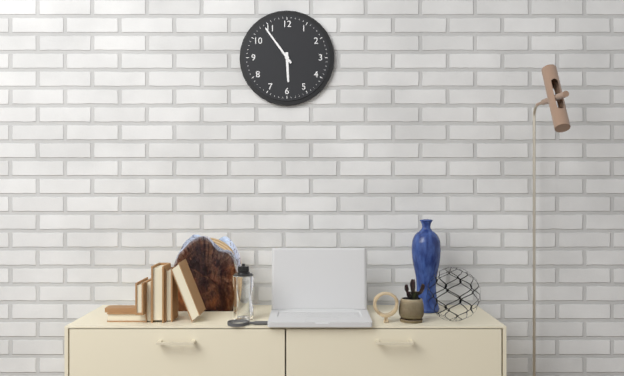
5:54
